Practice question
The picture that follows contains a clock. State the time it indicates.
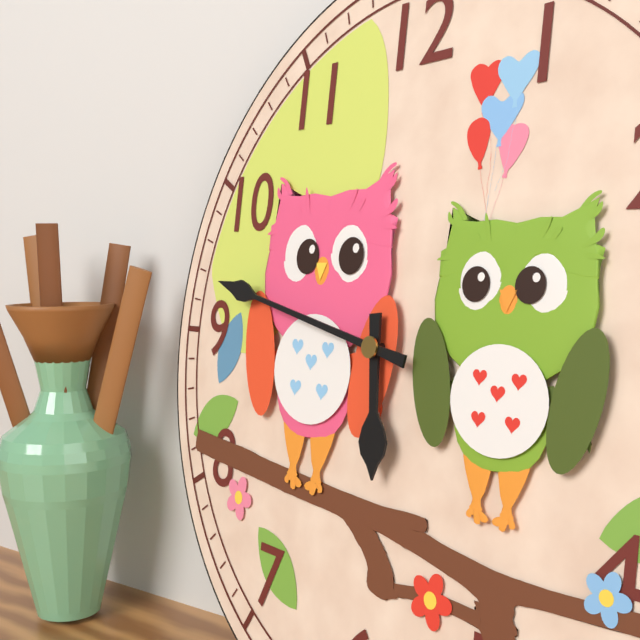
5:47
